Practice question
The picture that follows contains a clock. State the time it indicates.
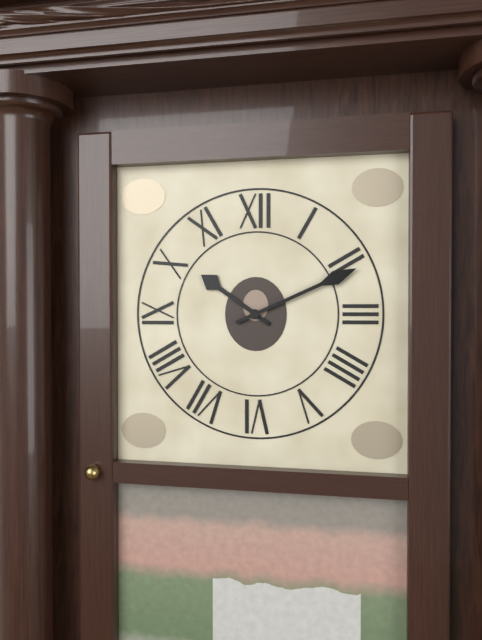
10:11
